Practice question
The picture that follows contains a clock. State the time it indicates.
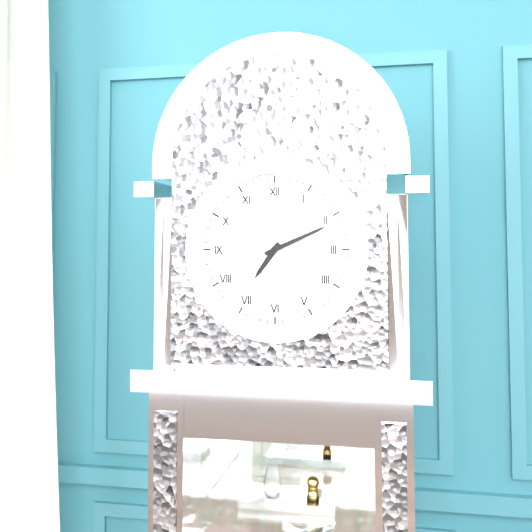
7:11
